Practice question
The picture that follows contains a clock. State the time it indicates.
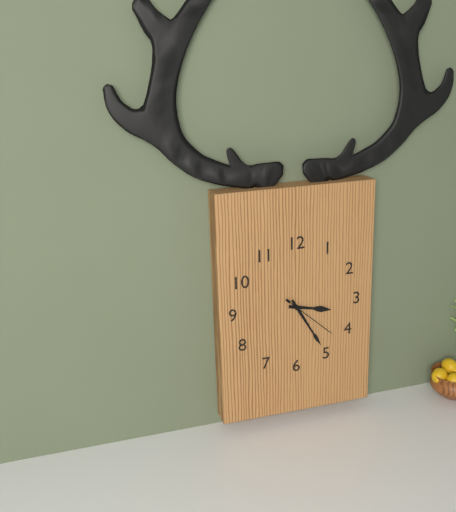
3:25:22
